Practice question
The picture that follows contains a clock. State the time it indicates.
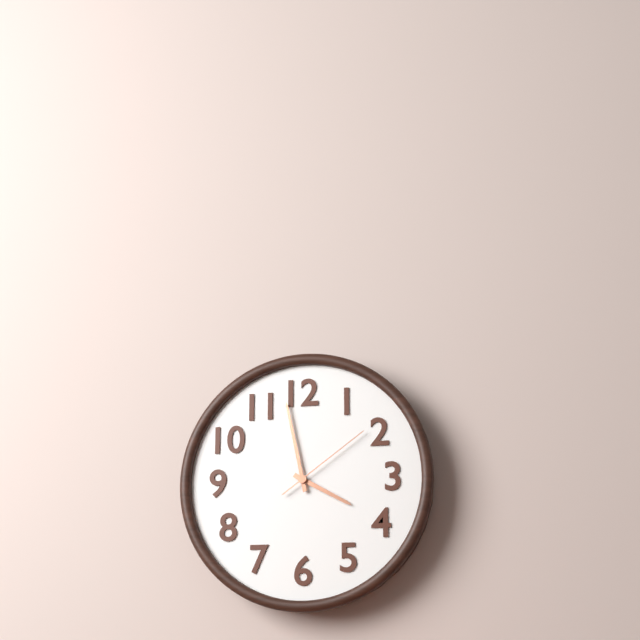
3:58:09
